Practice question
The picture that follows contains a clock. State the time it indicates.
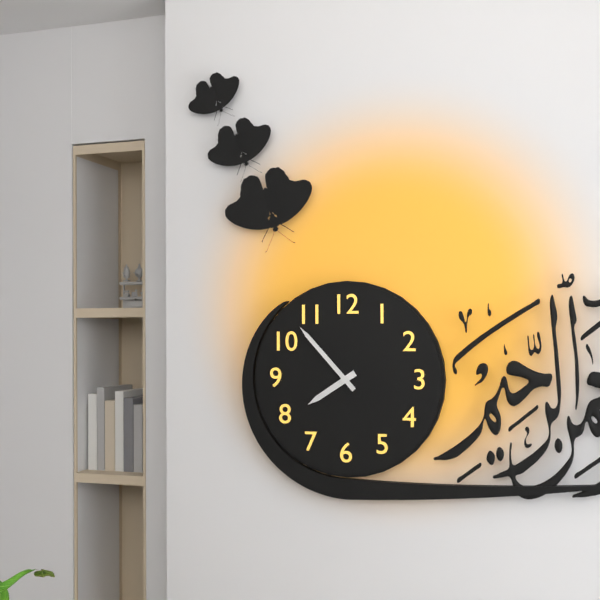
7:53
